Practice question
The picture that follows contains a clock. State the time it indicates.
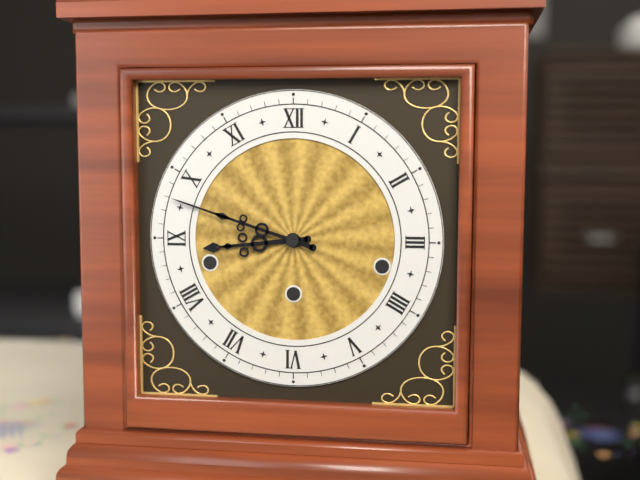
8:48
